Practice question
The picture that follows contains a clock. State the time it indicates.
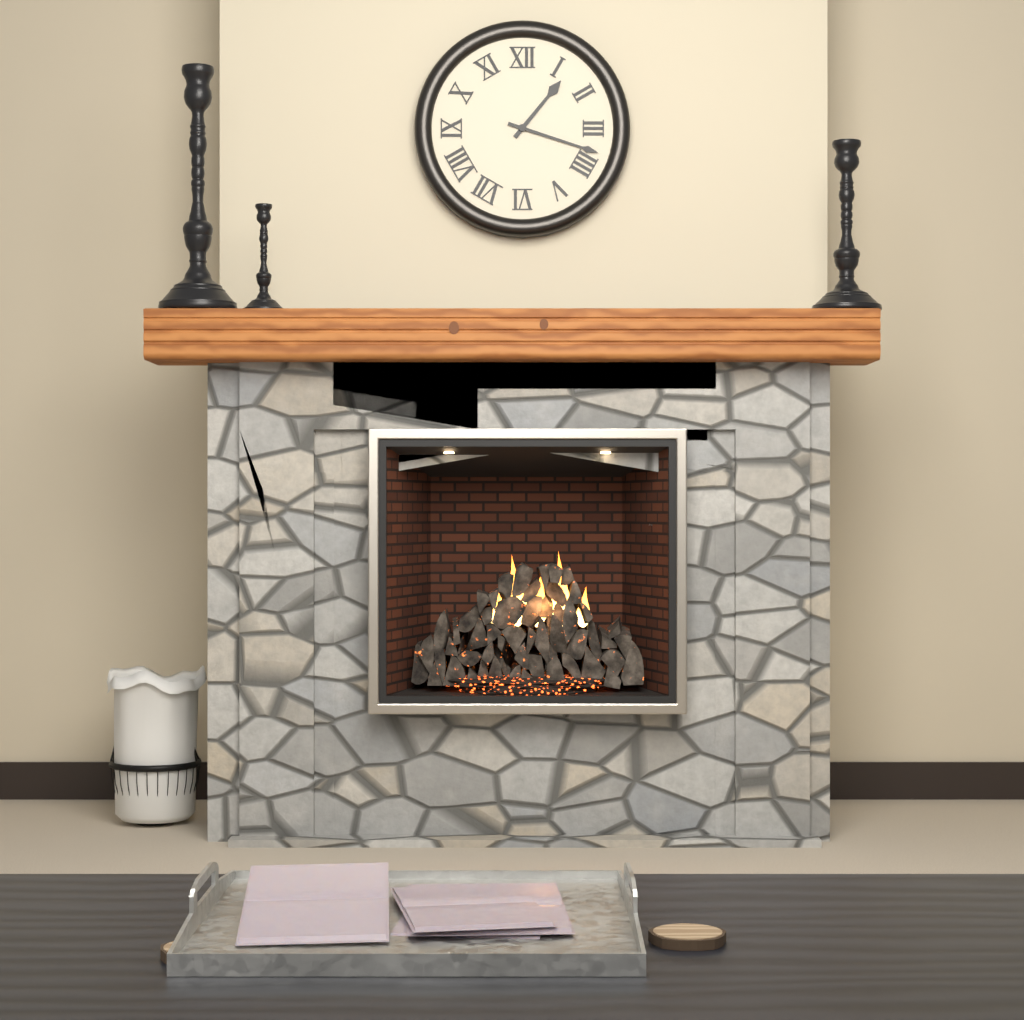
1:18
